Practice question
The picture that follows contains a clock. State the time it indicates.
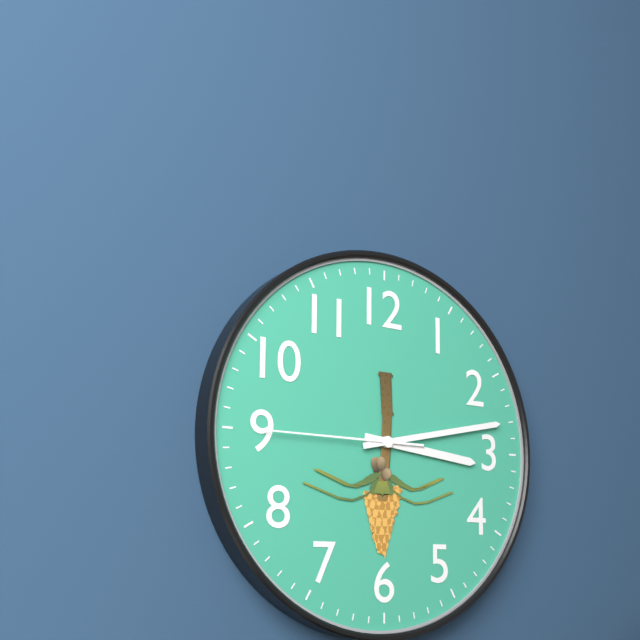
3:13:45
